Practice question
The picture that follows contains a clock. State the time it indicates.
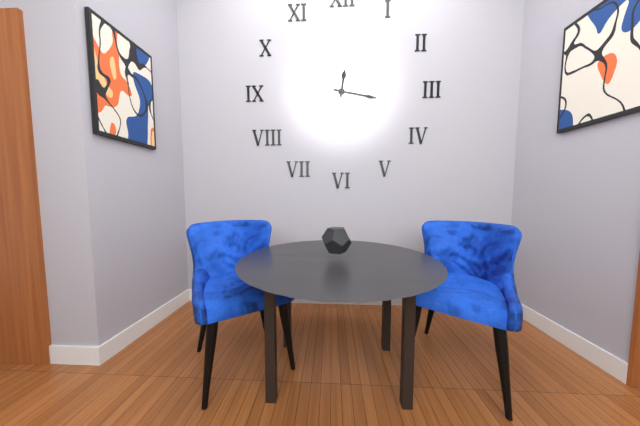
12:17
